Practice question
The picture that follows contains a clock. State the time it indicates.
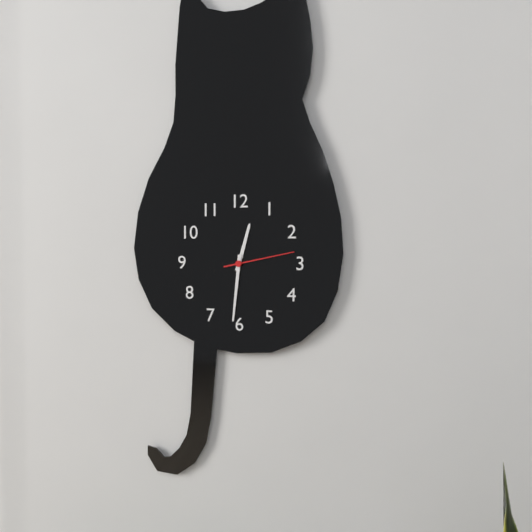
12:31:13
